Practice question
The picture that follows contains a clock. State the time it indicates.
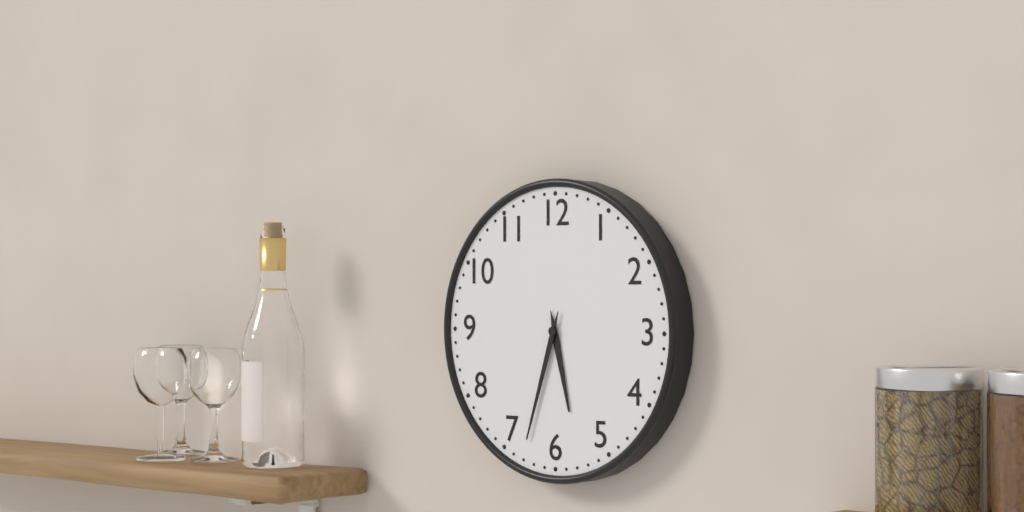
5:33
